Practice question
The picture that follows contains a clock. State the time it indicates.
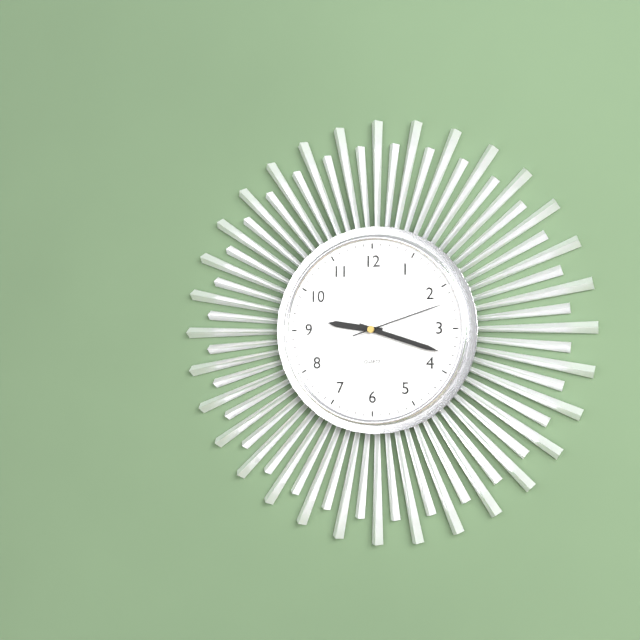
9:18:12
